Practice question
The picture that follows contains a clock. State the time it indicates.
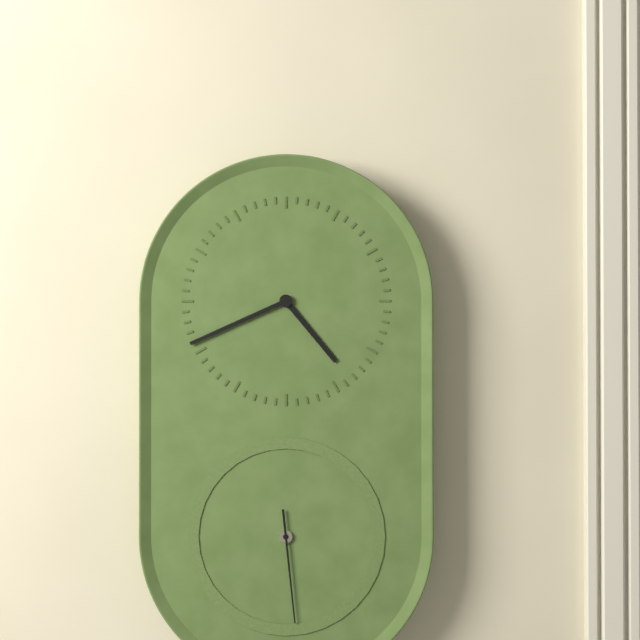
4:41:29
